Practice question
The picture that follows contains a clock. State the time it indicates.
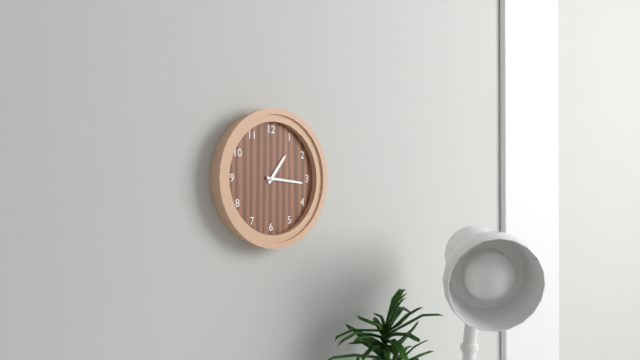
1:16
